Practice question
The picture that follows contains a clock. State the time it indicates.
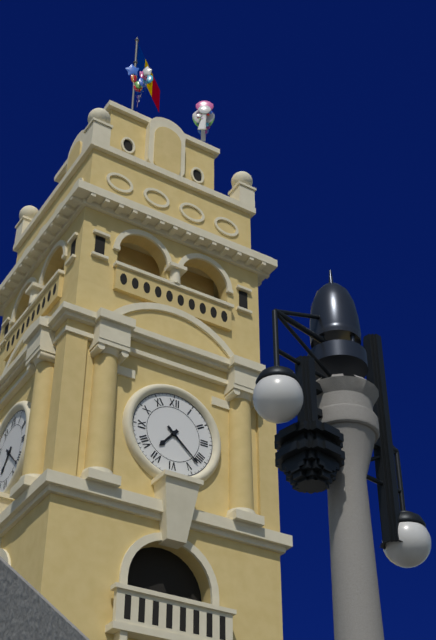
7:22
